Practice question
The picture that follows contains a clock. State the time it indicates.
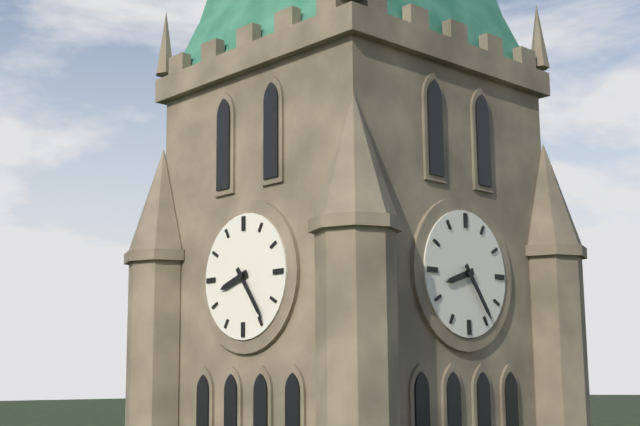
8:24
